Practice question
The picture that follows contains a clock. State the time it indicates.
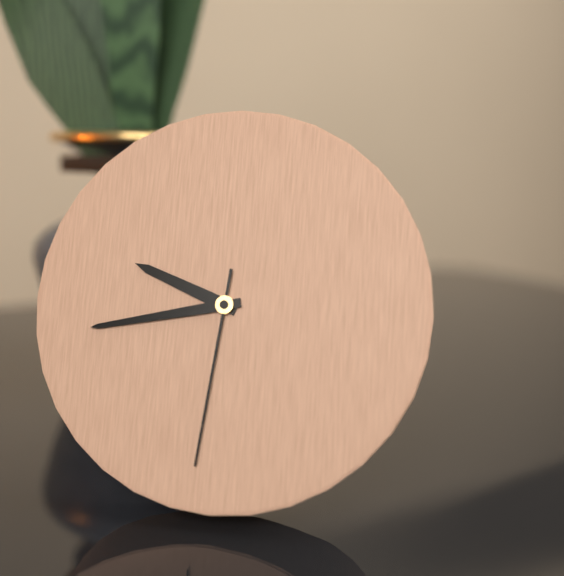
9:43:31
